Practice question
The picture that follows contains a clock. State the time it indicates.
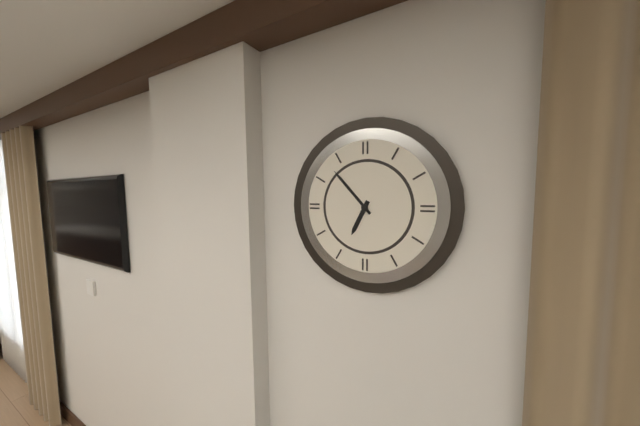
6:53
